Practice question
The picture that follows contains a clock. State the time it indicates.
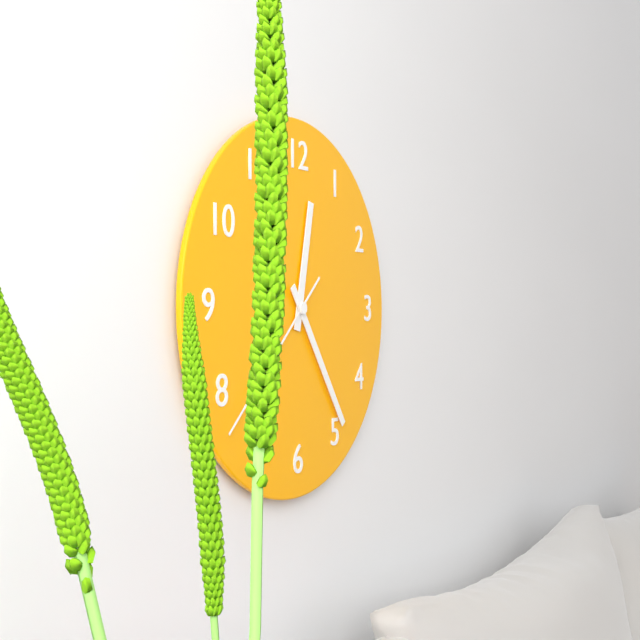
12:24:38
